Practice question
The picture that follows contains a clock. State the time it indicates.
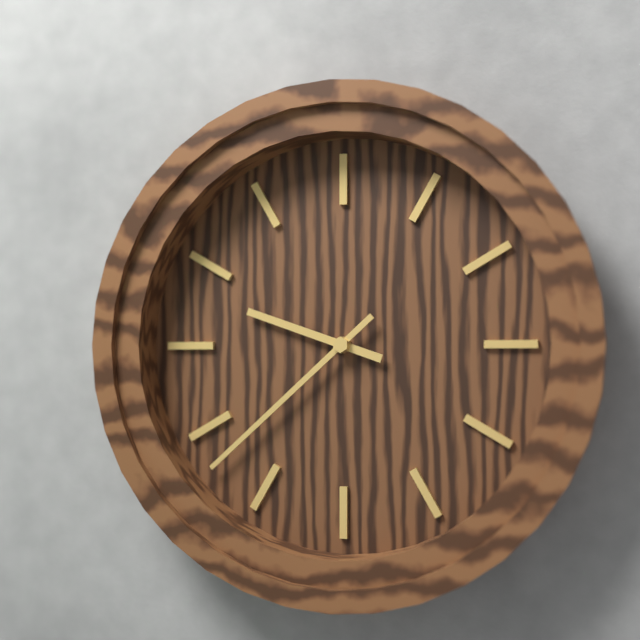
9:38
